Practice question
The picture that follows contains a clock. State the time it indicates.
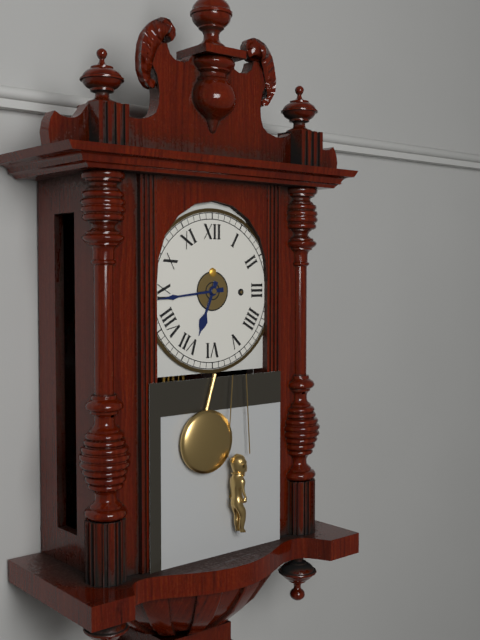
6:44
